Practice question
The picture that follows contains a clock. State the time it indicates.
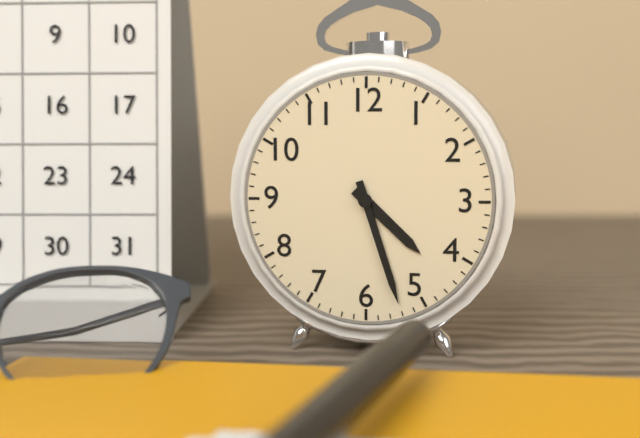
4:27
